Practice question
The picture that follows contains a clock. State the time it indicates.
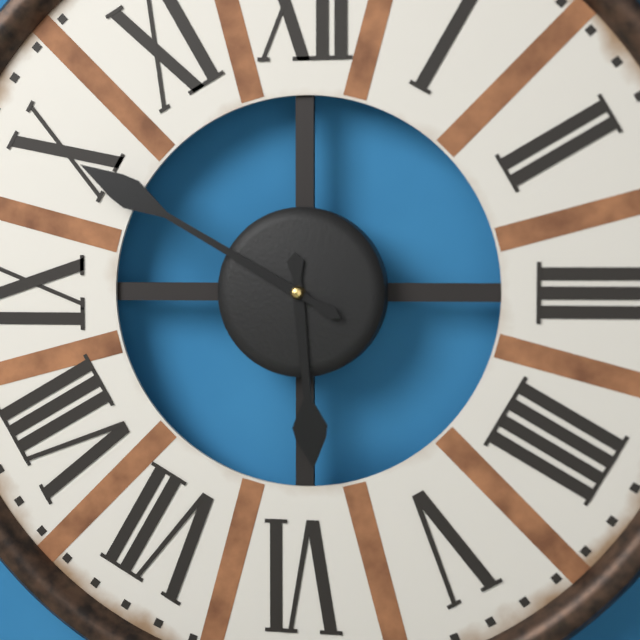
5:50
